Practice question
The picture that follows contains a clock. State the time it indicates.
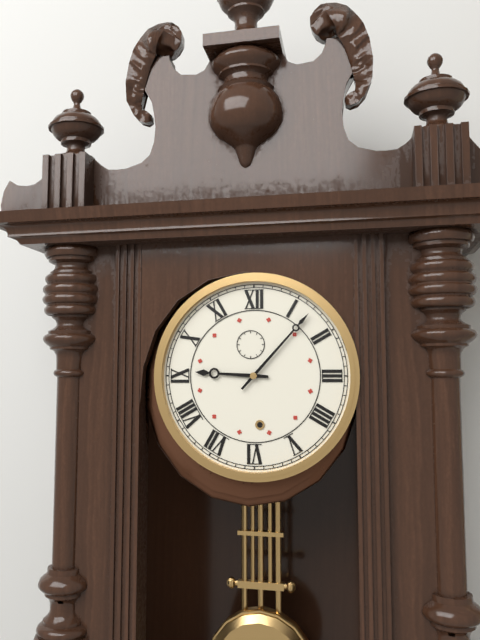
9:07
